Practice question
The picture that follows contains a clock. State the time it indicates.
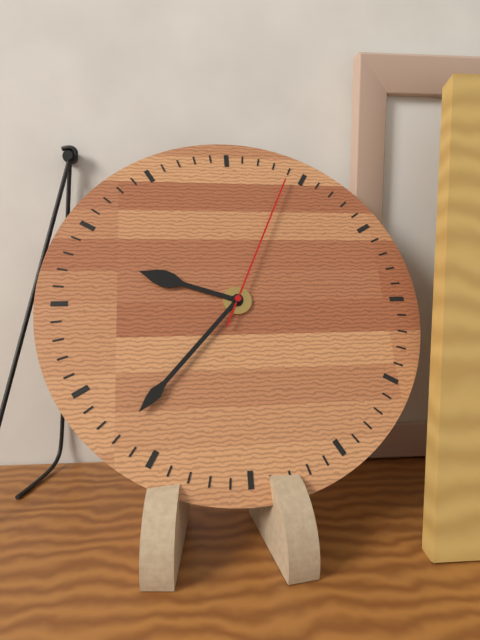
9:37:04
